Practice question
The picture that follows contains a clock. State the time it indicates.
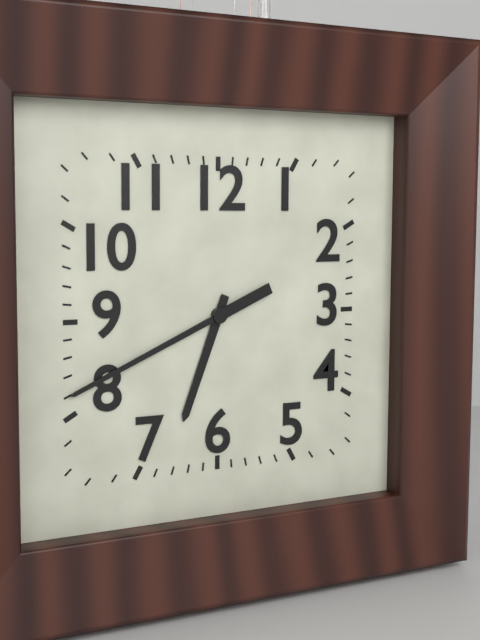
6:41
